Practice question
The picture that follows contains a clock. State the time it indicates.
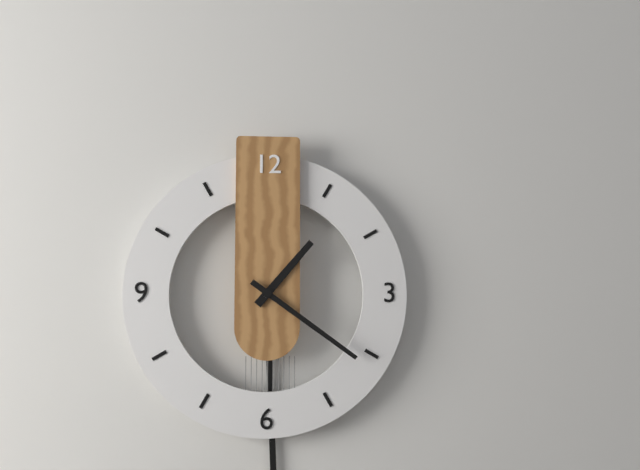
1:21
